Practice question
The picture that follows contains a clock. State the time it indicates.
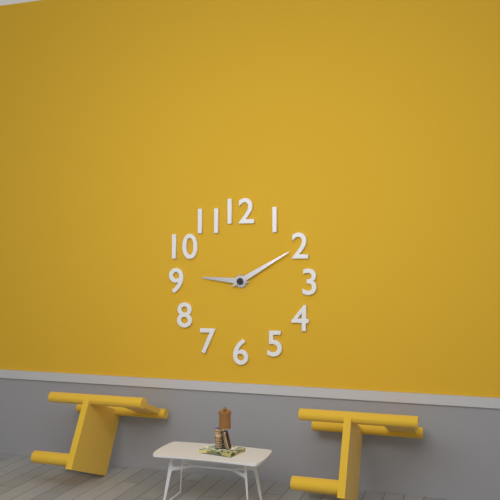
9:10
